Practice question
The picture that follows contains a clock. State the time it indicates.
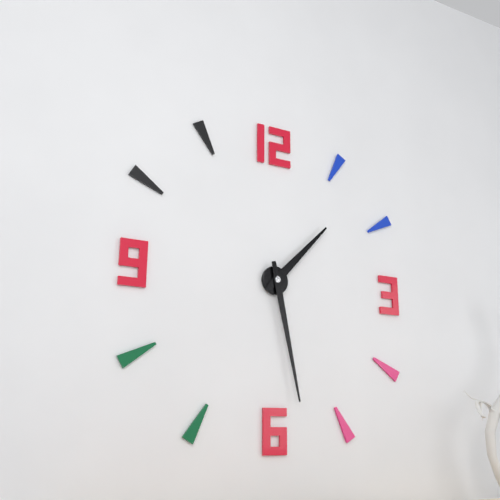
1:28
